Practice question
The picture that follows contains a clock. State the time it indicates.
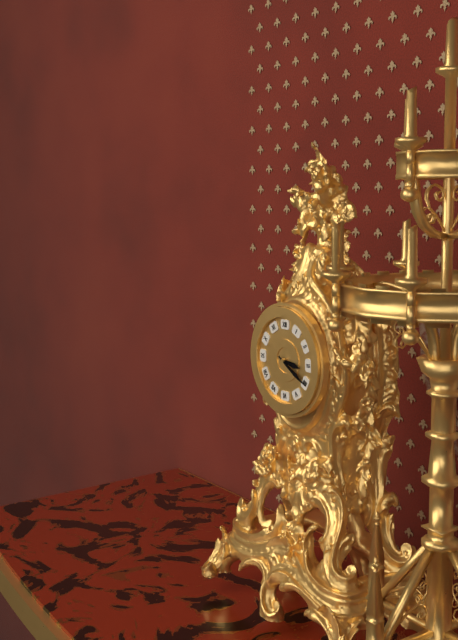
3:20
